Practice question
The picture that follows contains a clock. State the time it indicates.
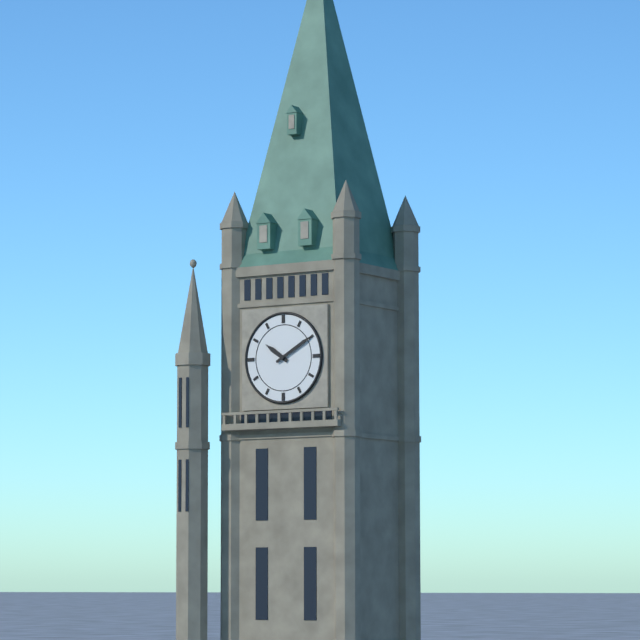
10:10
